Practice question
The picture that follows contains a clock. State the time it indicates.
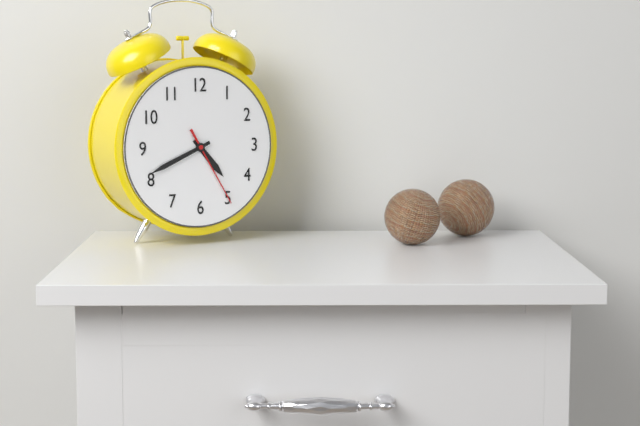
4:41:25
